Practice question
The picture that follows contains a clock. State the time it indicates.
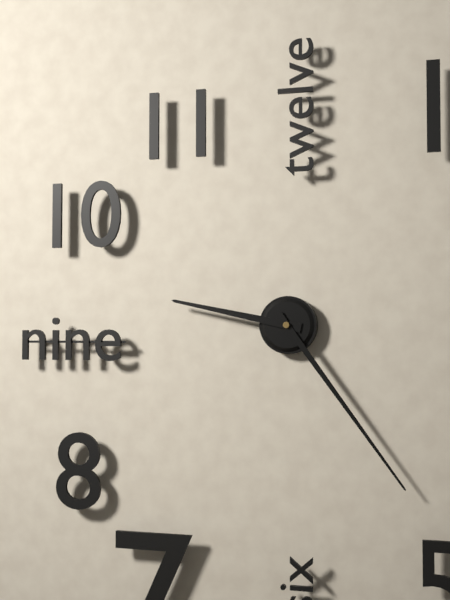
9:24
